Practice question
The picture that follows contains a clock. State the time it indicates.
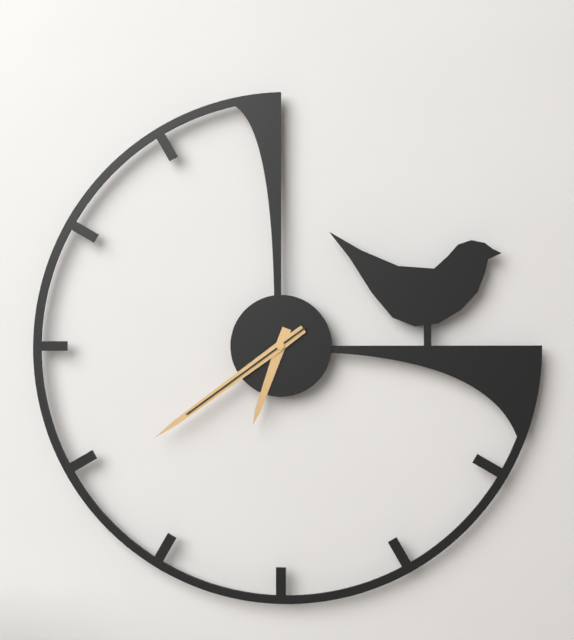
6:39:39
